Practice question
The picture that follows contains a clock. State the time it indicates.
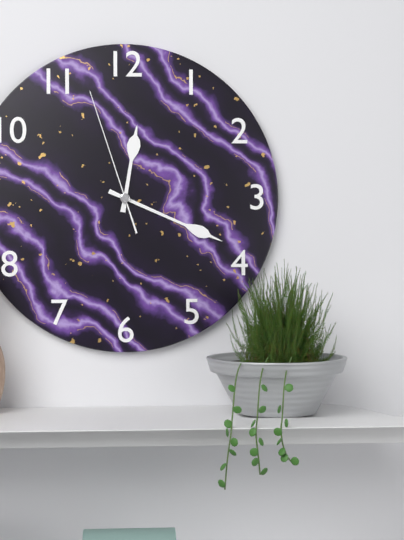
12:19:57
